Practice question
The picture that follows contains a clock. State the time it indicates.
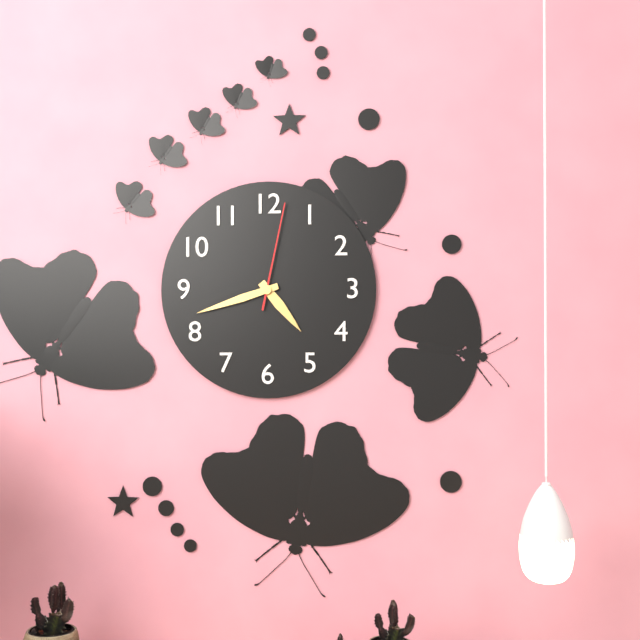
4:42:02
